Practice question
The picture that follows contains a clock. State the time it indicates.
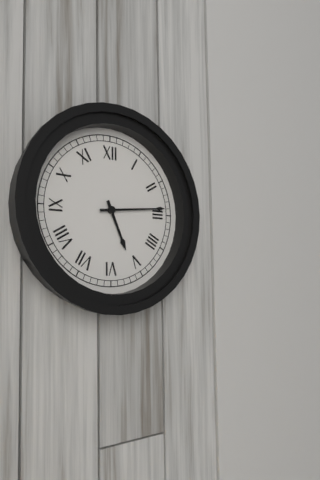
5:14
